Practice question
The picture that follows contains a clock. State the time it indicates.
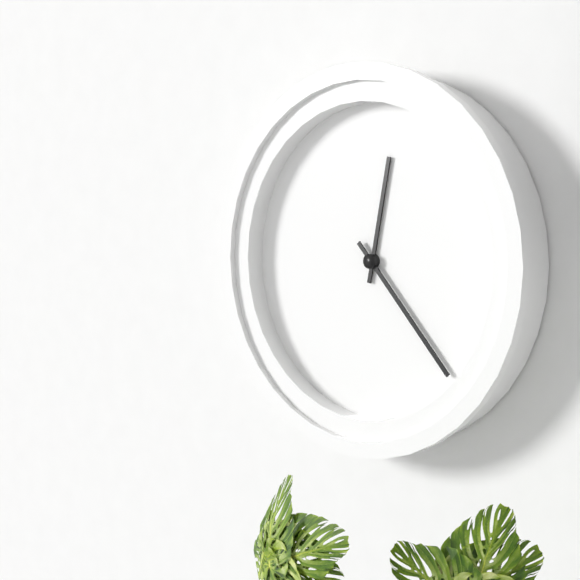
12:23
